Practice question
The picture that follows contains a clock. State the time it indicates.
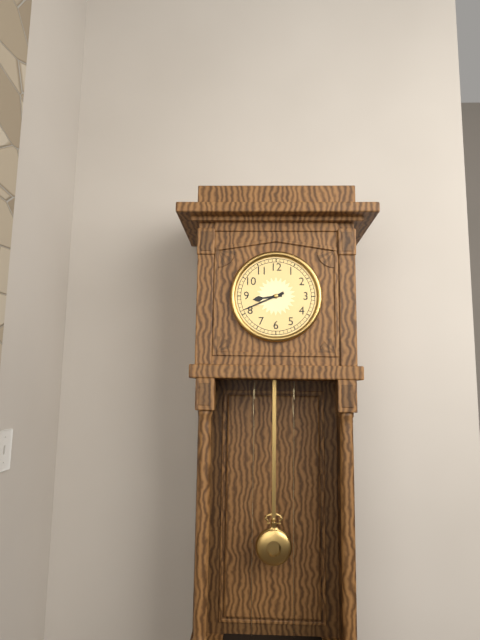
8:41
